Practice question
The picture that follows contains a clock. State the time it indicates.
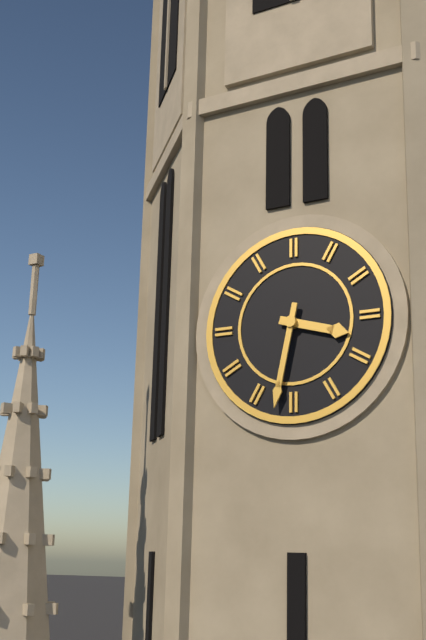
3:32
